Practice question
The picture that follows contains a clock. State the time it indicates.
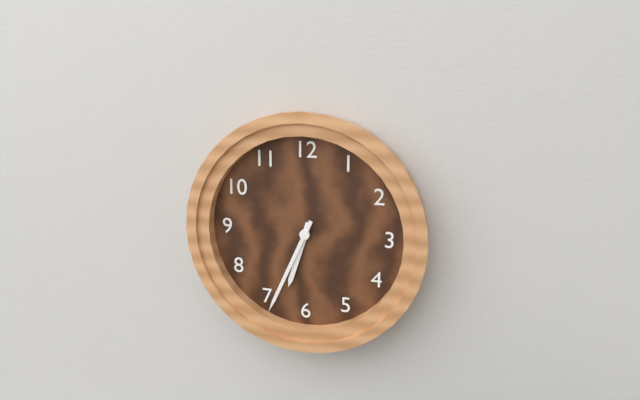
6:34
